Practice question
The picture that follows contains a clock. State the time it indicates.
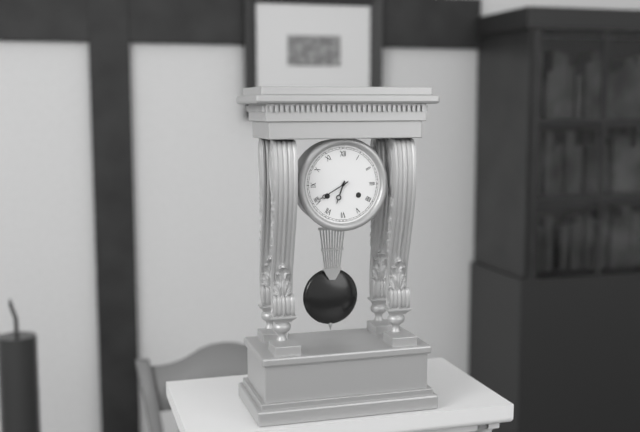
6:40
